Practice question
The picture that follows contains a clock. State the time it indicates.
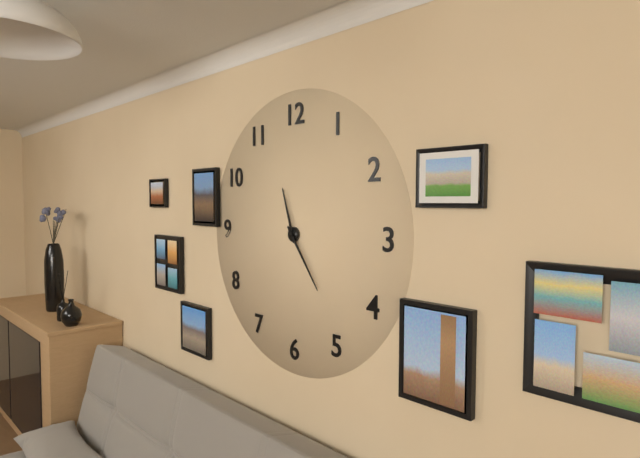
11:24
